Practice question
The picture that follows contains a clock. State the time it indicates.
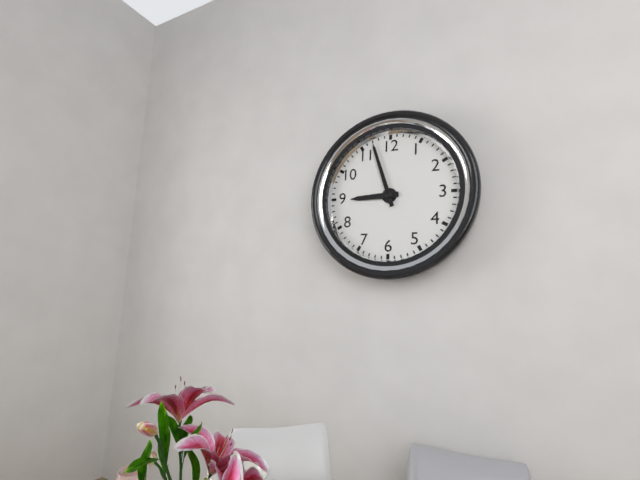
8:57
